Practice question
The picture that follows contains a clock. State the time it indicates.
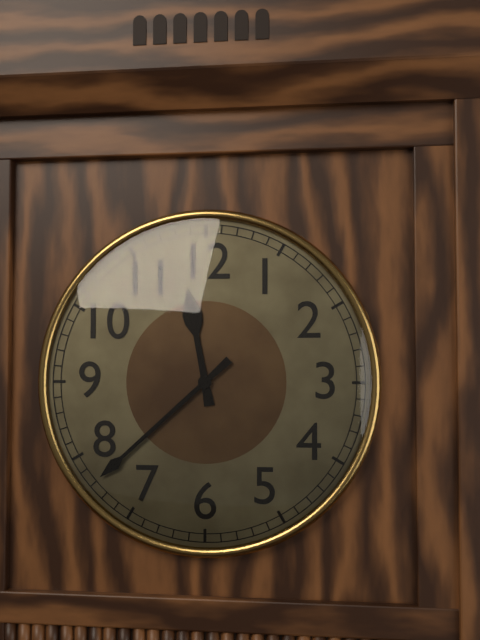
11:38
